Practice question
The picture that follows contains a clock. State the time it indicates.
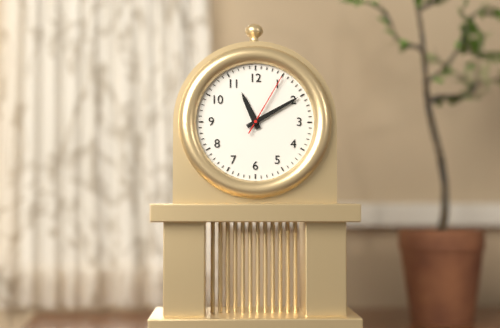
11:10:05
